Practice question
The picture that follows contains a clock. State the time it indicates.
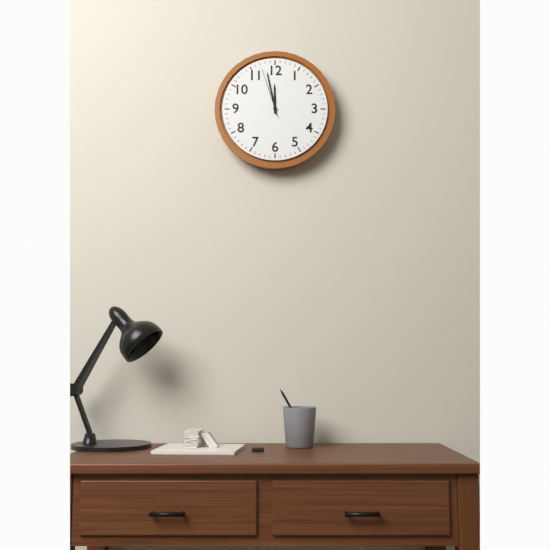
11:58:57
